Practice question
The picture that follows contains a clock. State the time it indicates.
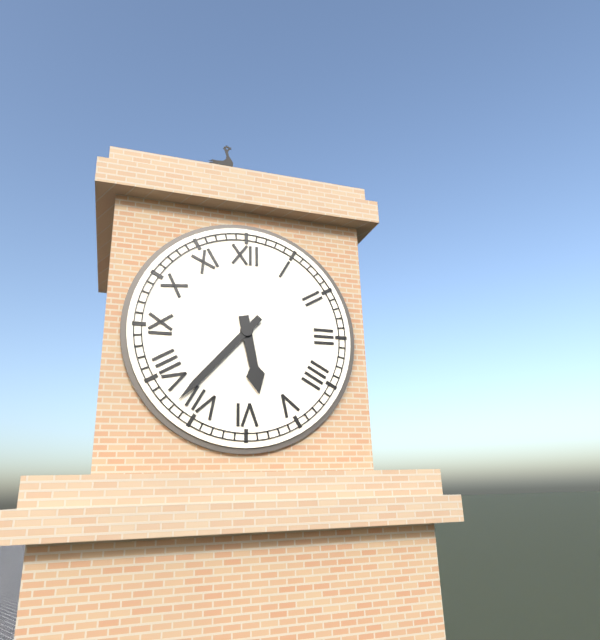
5:37
